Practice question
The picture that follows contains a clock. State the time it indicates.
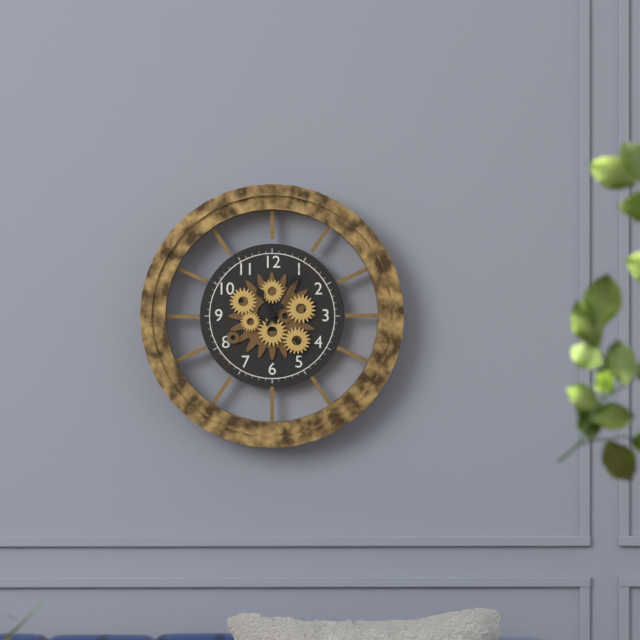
11:05
